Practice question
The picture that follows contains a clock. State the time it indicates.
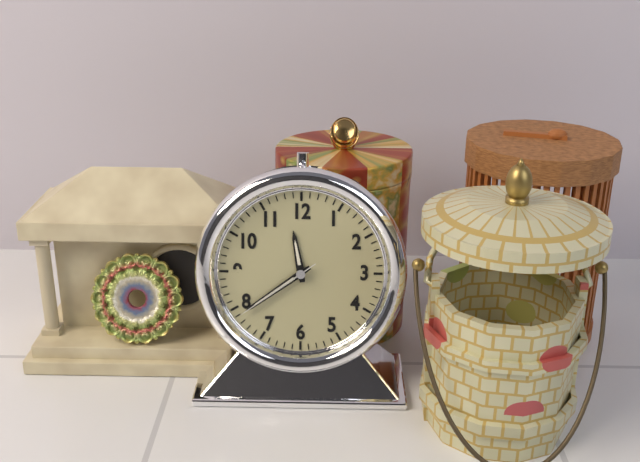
11:39:39
